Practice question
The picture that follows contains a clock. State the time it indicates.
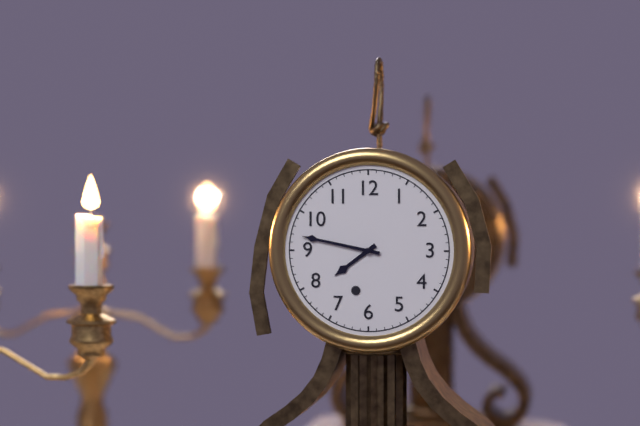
7:47
